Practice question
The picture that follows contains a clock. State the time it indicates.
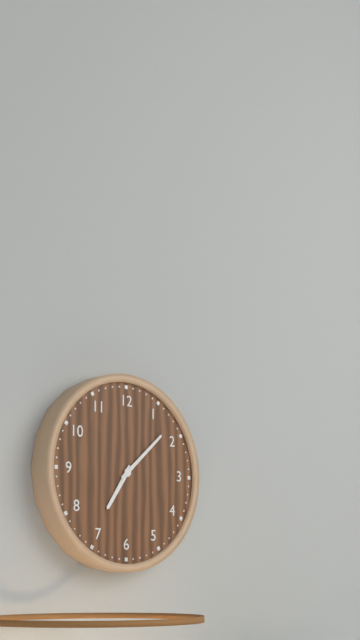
7:08
